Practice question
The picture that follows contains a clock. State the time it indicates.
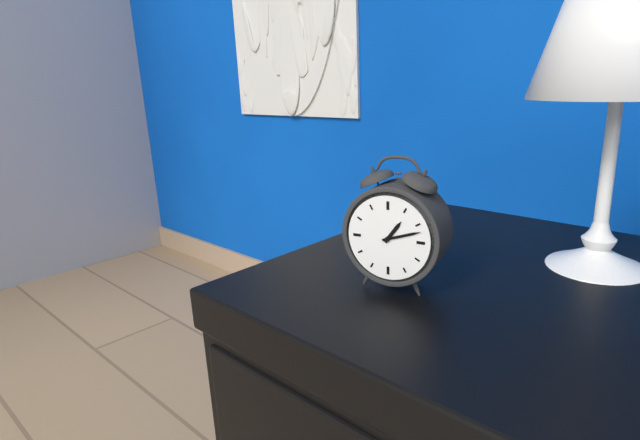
1:12
